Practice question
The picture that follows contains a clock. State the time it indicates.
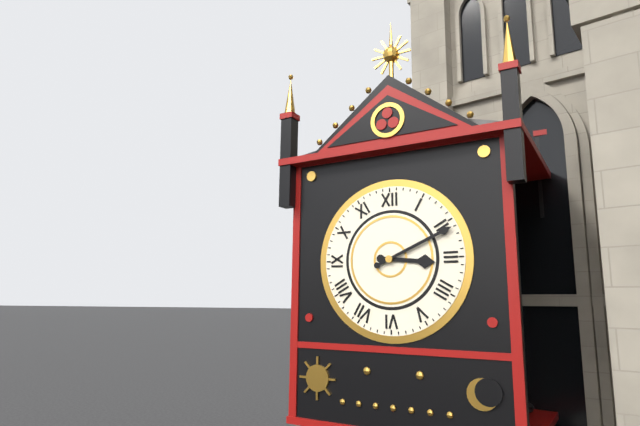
3:11
